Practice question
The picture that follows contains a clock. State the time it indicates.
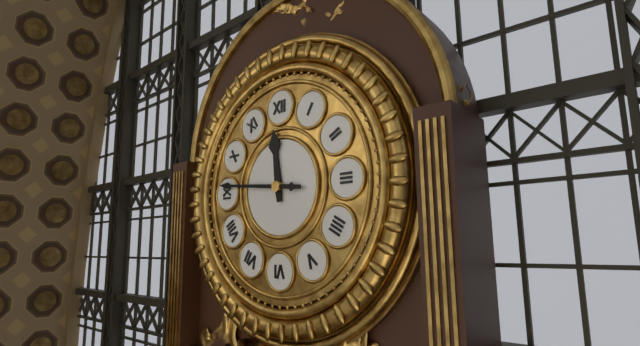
11:46
